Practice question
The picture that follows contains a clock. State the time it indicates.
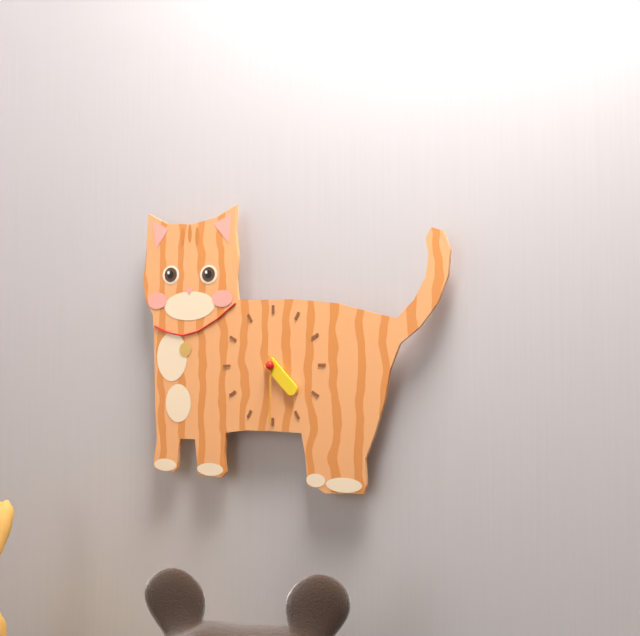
4:30
